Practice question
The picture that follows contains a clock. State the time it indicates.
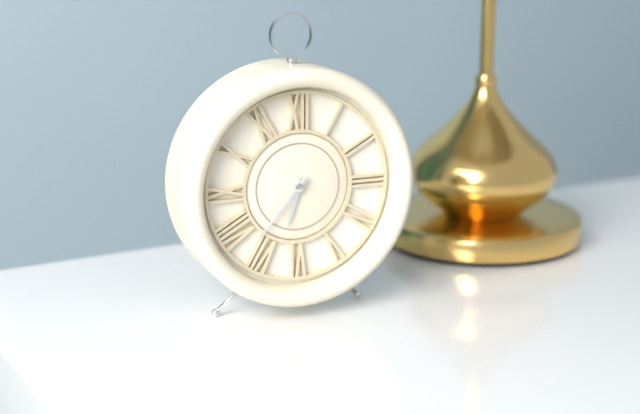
6:37
